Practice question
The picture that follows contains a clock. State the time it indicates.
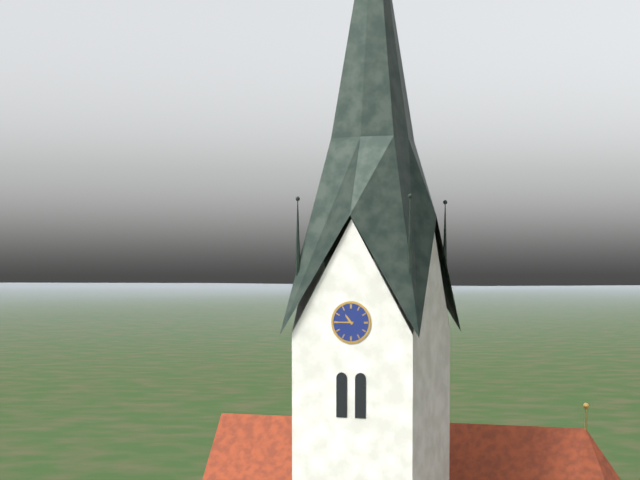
10:45
